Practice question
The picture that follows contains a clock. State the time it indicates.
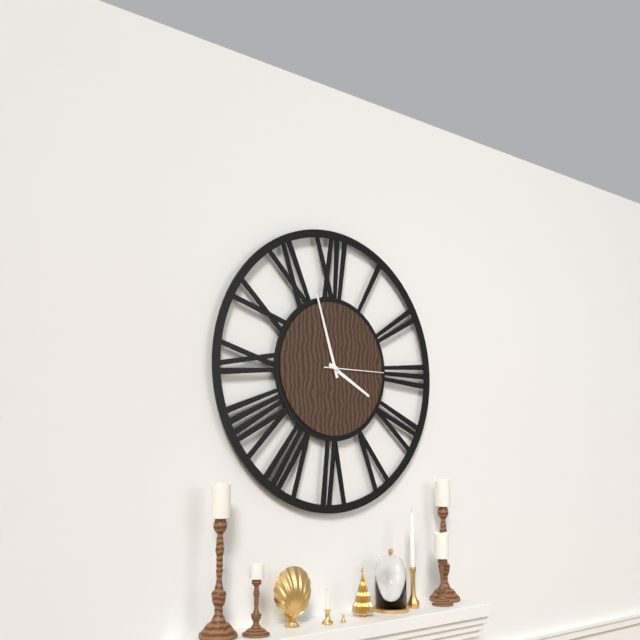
3:57:15
